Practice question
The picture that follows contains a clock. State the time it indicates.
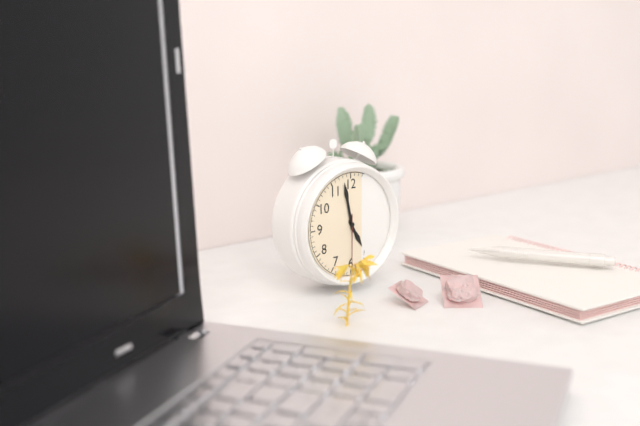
4:58:30
